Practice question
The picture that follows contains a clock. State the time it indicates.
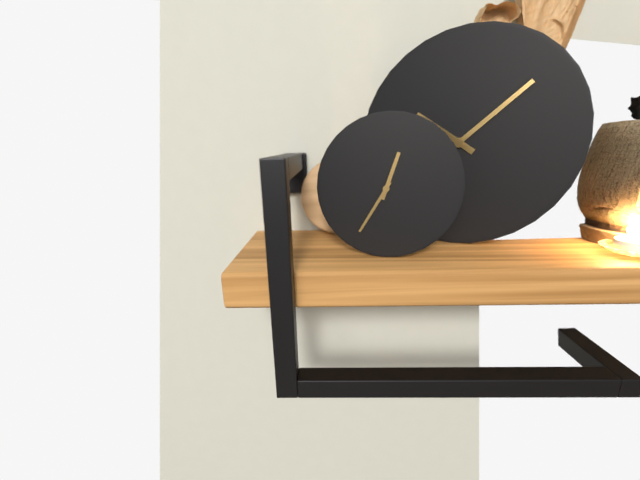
12:35
